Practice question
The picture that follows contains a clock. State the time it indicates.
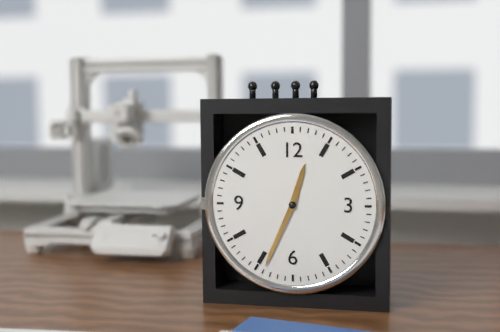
12:34
